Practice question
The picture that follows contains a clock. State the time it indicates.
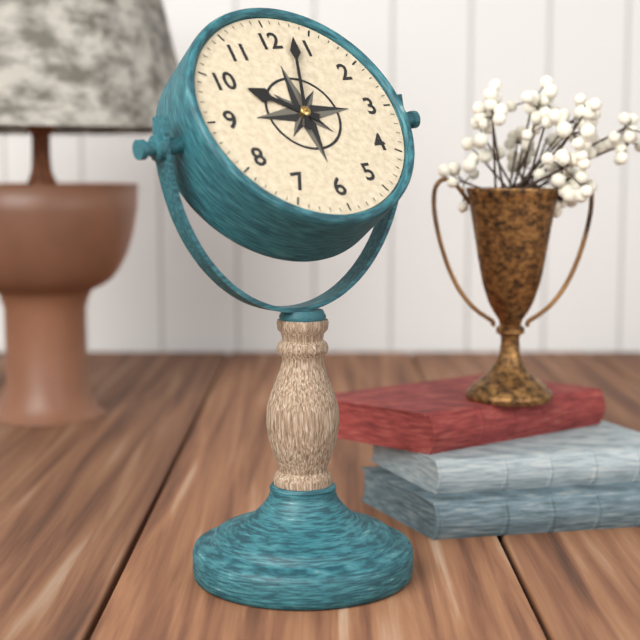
10:03
